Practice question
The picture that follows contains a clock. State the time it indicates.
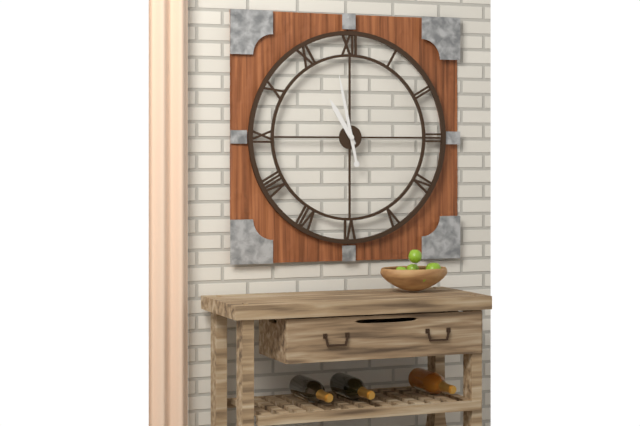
10:58
